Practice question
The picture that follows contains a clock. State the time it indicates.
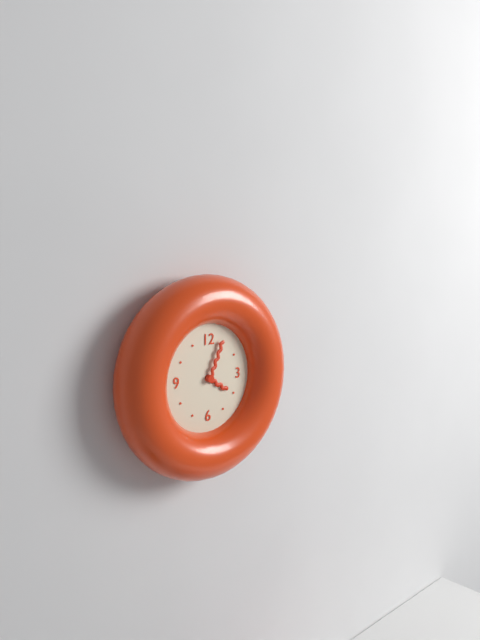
4:04
